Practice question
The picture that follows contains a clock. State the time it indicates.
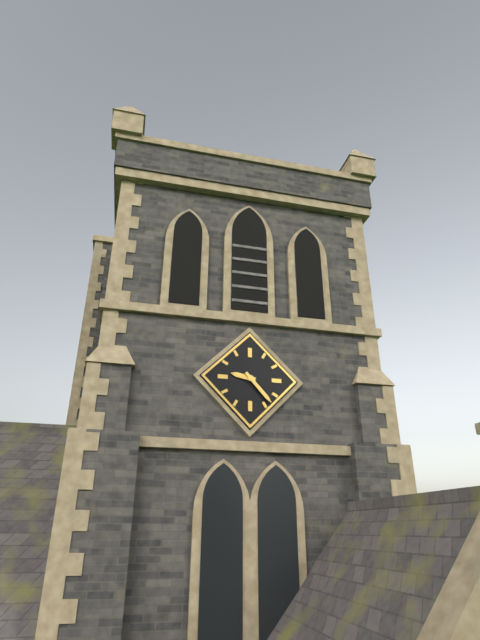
9:23
